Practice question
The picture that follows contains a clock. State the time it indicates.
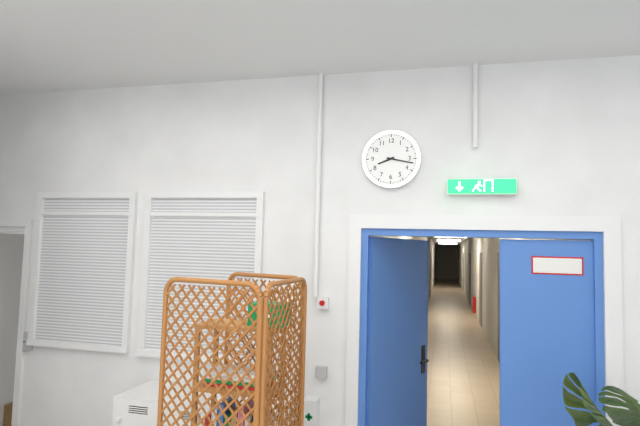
8:17
